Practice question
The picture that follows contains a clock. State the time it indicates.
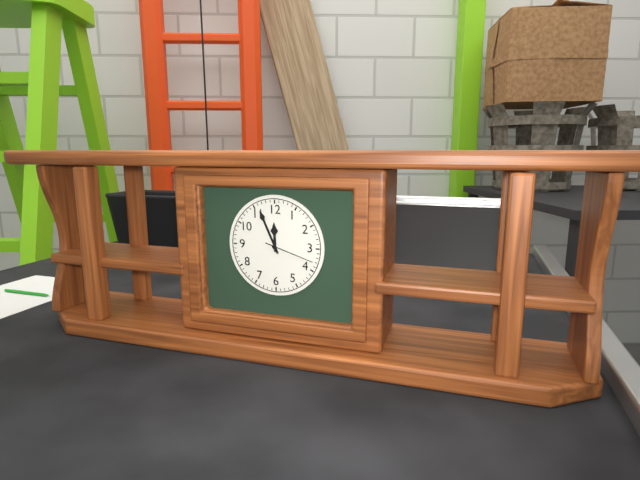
11:56:18
